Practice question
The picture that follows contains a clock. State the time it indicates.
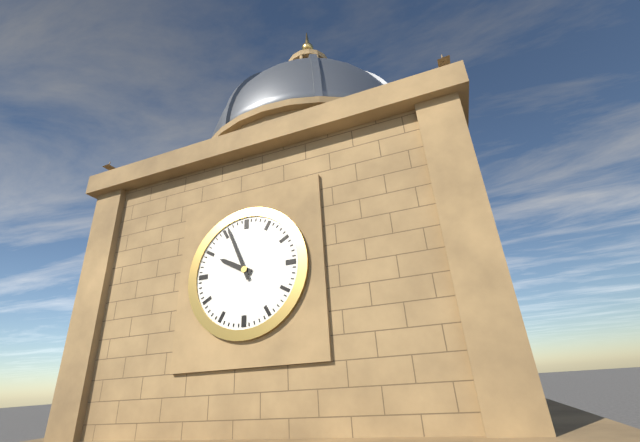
9:56
